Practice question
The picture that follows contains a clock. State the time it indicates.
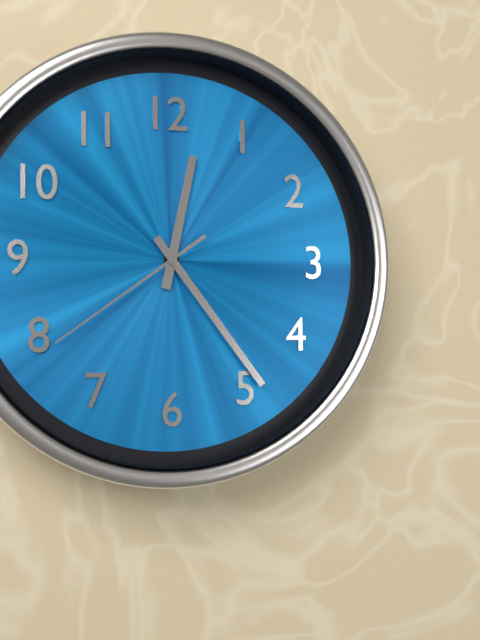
12:24:39
